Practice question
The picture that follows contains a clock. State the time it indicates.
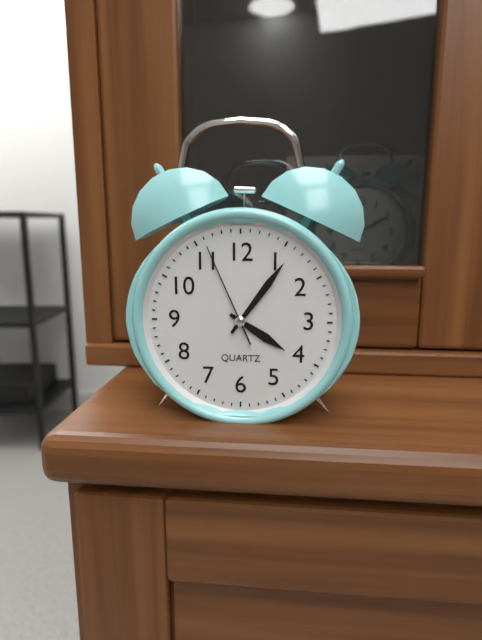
4:06:56
